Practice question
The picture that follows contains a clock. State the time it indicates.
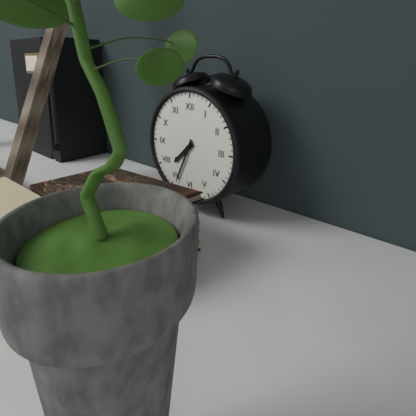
7:34
